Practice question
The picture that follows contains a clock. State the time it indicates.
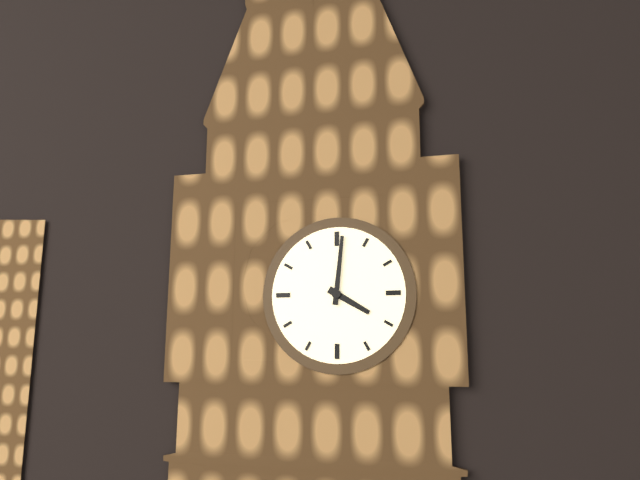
4:01
